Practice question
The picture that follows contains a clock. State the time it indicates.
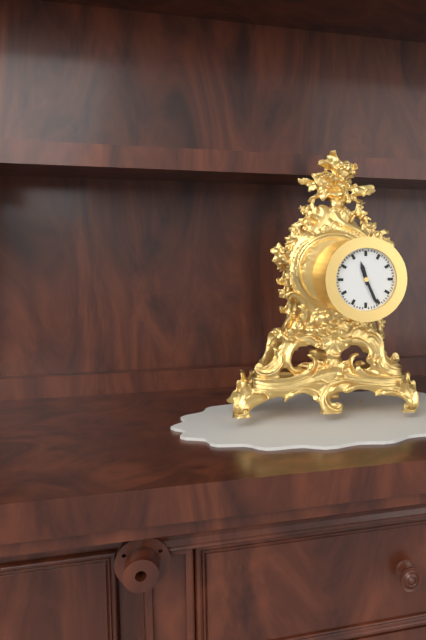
11:26
